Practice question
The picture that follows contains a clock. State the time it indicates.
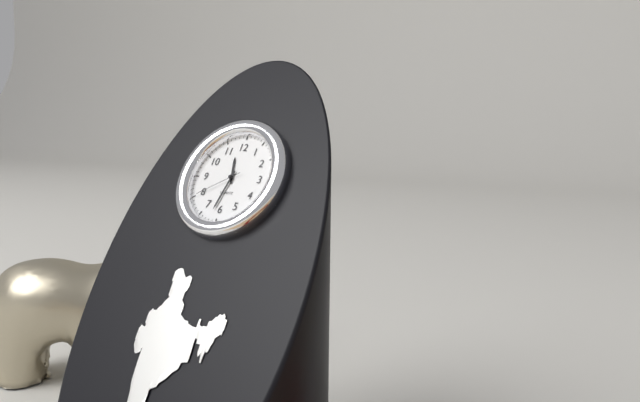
11:32:40
